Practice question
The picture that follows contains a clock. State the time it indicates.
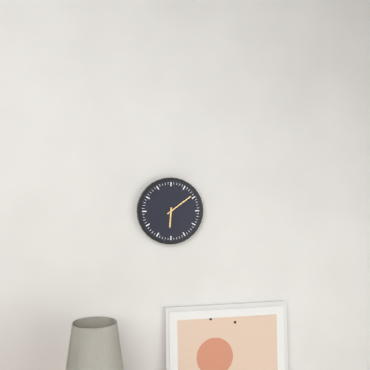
6:09
